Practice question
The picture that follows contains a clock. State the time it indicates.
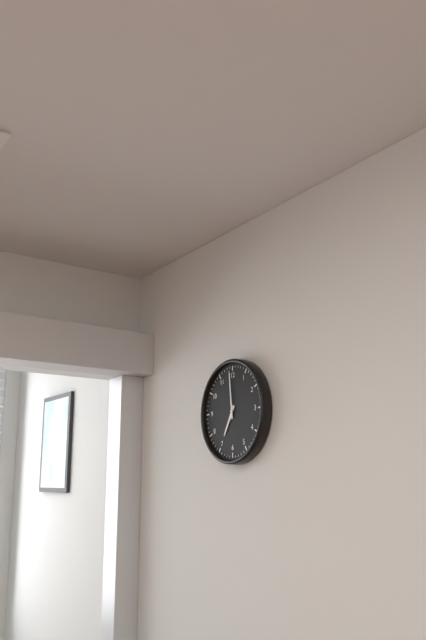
6:59
